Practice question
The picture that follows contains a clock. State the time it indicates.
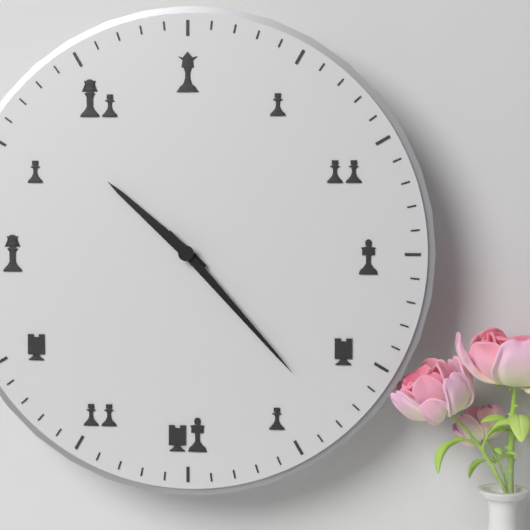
10:23
